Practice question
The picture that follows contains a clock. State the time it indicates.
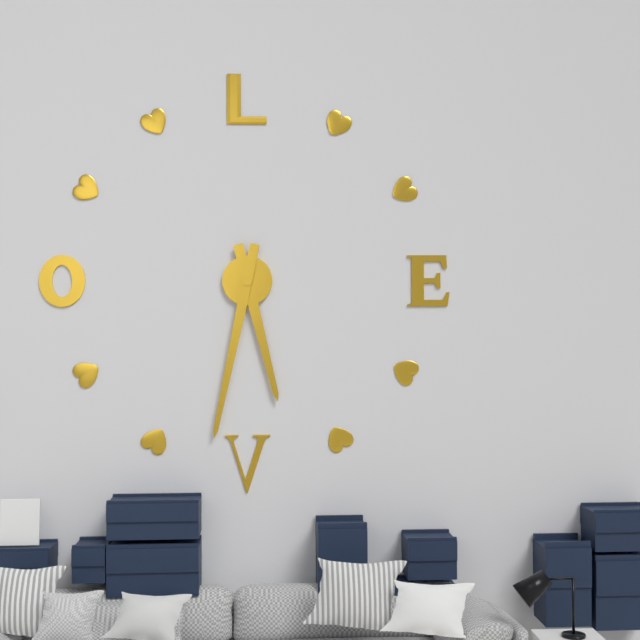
5:32
